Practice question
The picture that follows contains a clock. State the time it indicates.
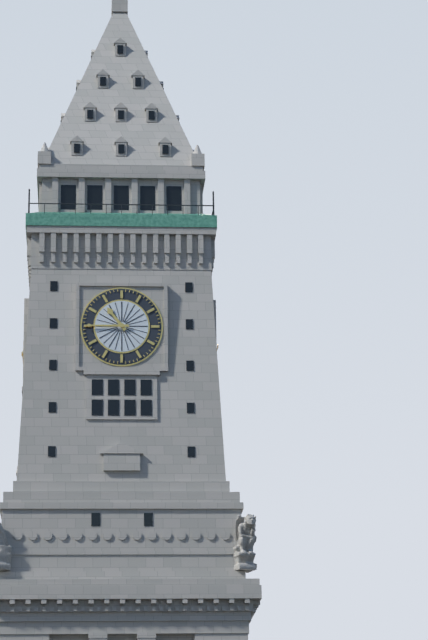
10:45
